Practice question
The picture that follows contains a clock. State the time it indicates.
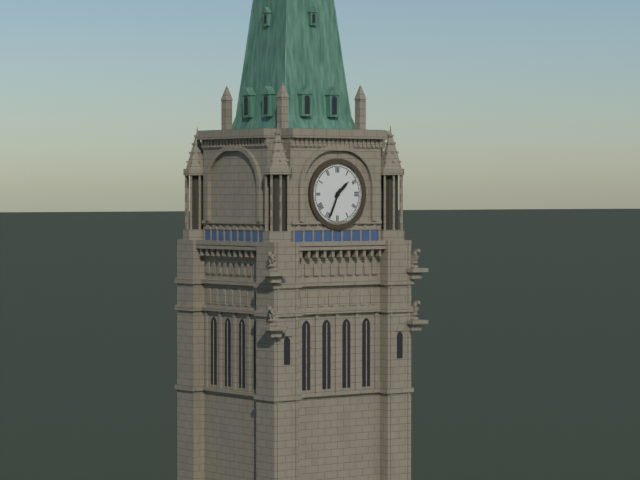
1:34
